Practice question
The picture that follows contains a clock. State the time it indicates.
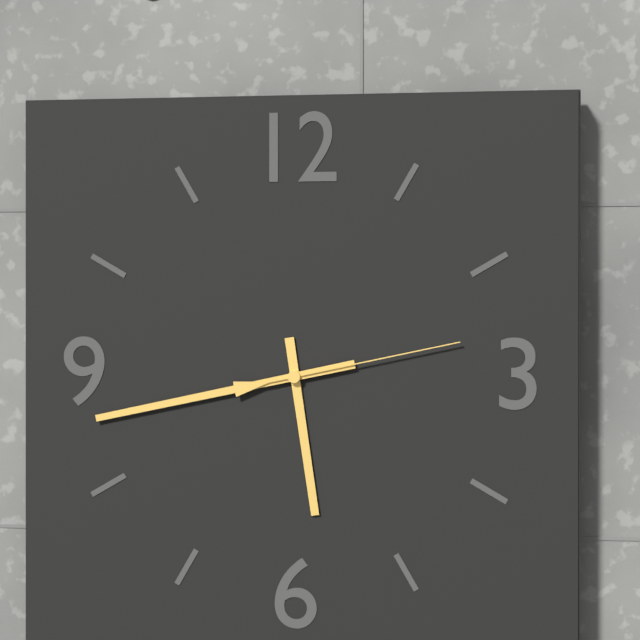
5:43:13
